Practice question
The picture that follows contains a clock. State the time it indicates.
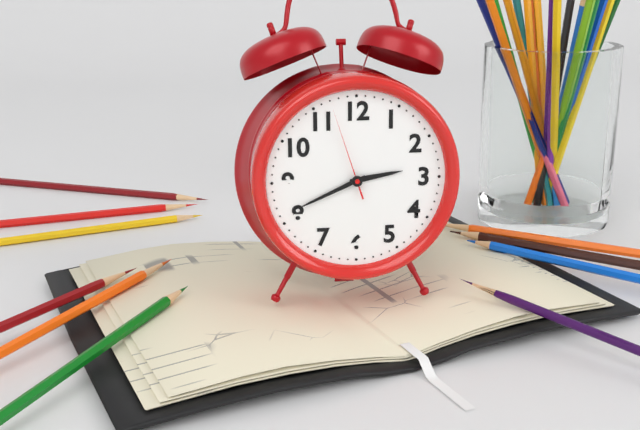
2:41:57
